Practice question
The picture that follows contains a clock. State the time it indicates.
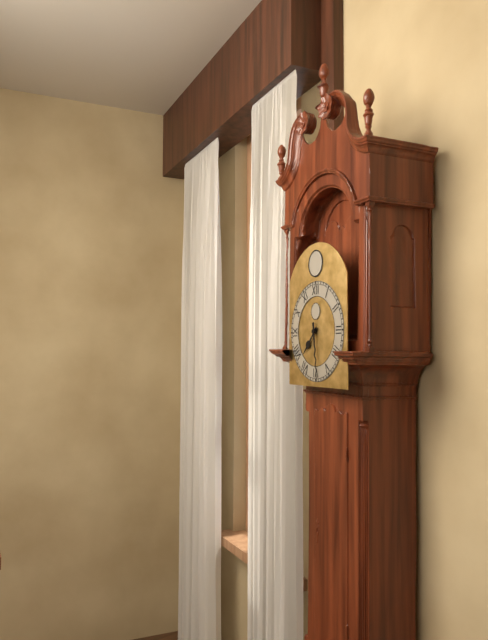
7:29
